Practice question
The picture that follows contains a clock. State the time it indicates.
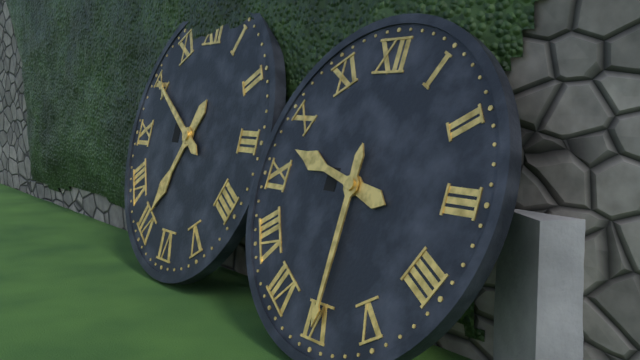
9:30
